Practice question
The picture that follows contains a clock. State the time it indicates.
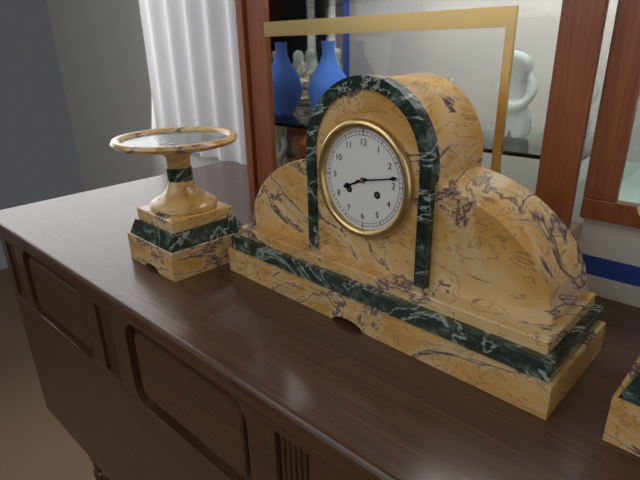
8:13
